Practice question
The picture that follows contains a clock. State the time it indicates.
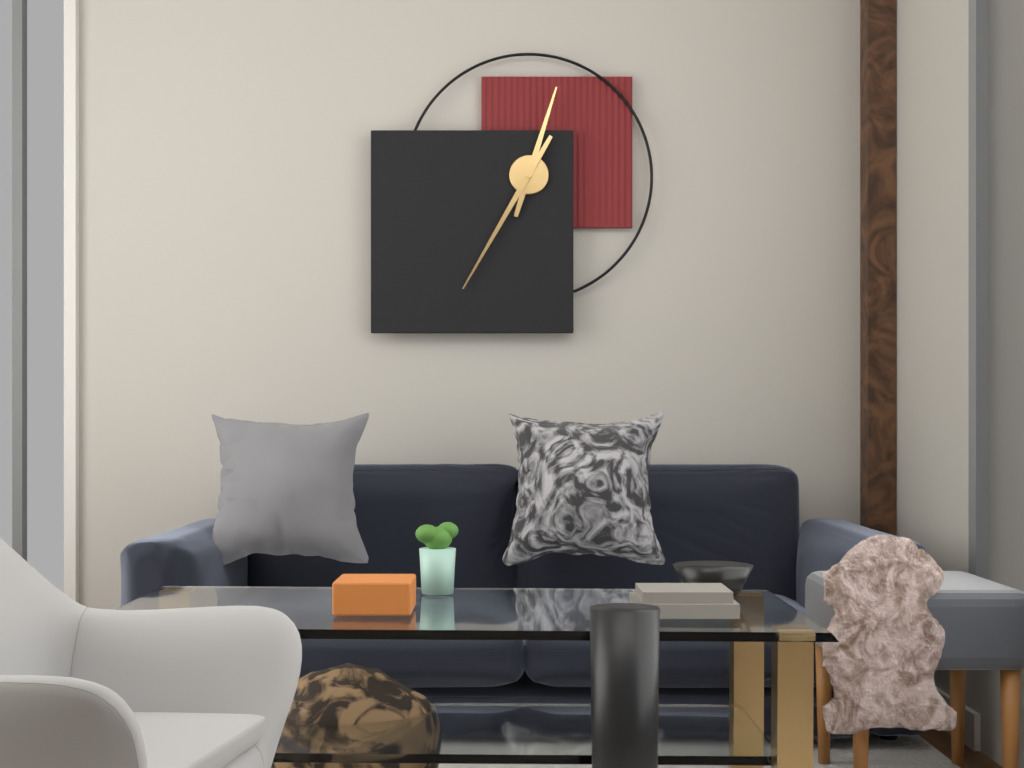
12:35
